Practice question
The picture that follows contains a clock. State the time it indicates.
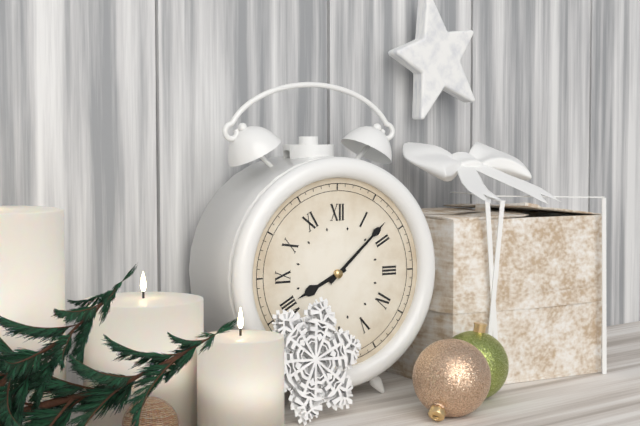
8:08
